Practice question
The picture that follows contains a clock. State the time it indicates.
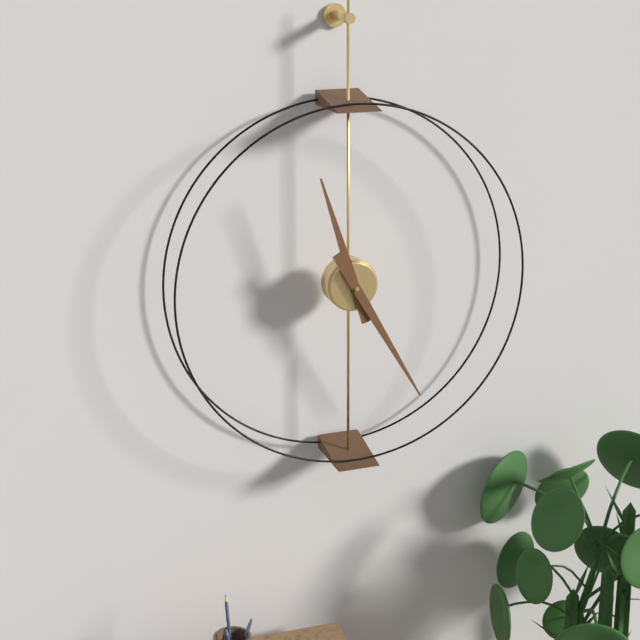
11:25
